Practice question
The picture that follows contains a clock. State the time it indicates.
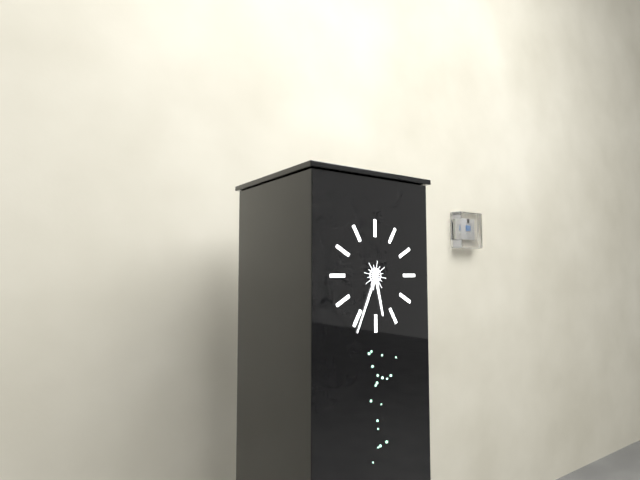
5:34
